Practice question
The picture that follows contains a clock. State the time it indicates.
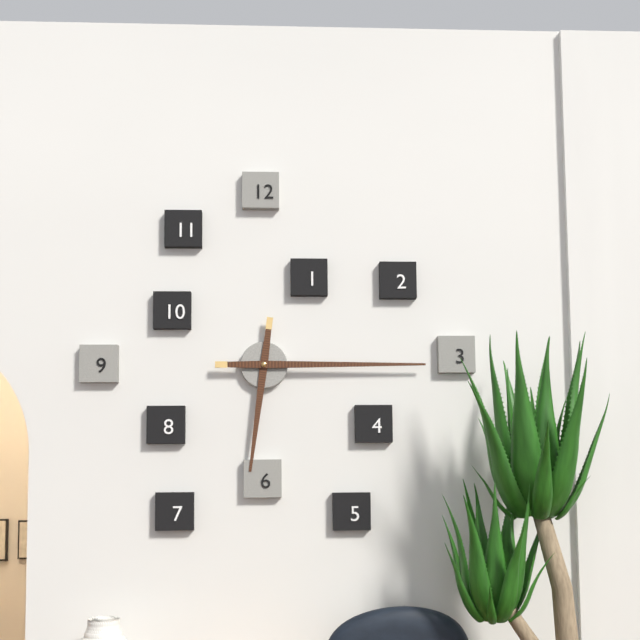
6:15
